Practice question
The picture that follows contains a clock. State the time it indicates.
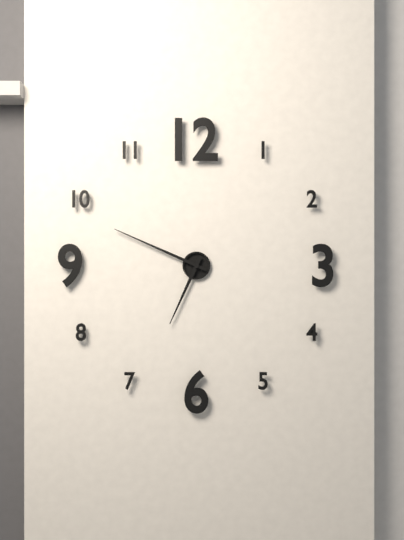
6:49
